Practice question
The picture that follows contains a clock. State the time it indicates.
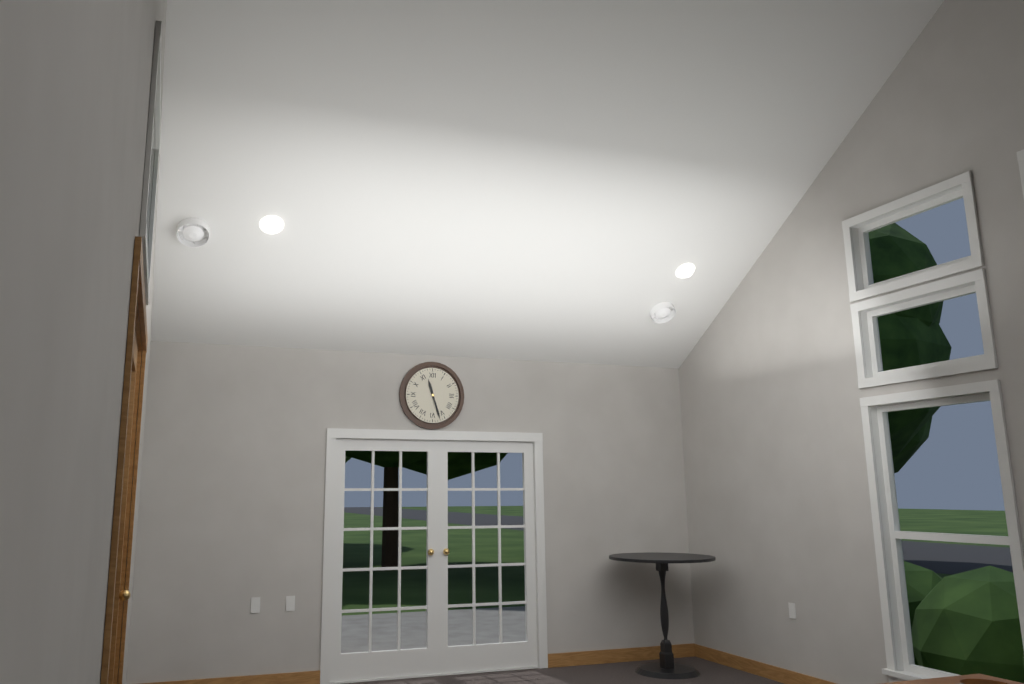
11:27
